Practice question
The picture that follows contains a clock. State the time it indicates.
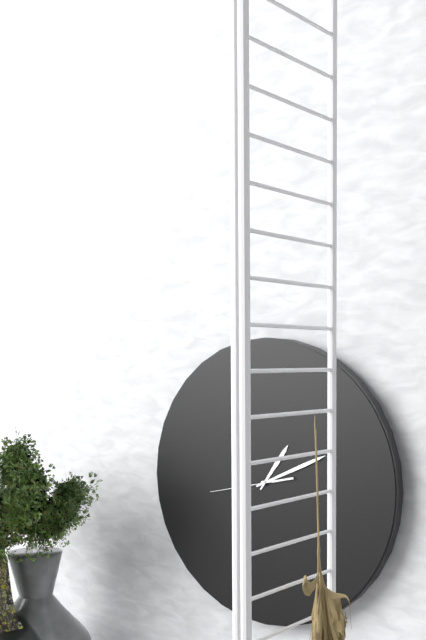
1:11:43
